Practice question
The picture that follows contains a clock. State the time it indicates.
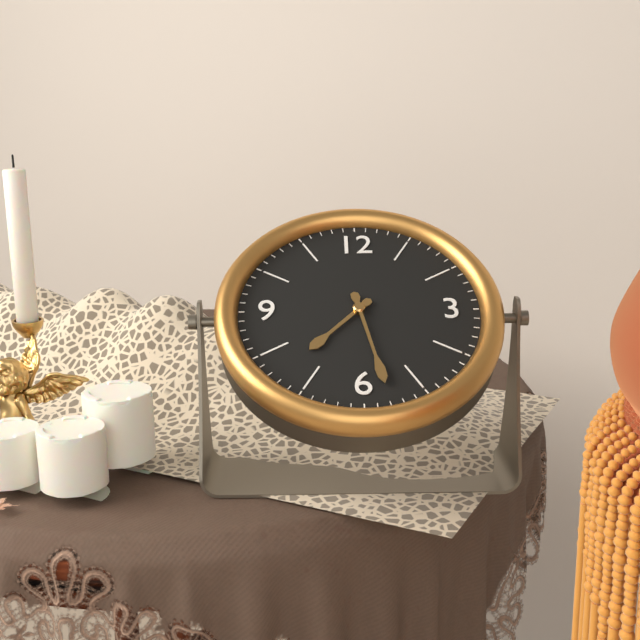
7:28
